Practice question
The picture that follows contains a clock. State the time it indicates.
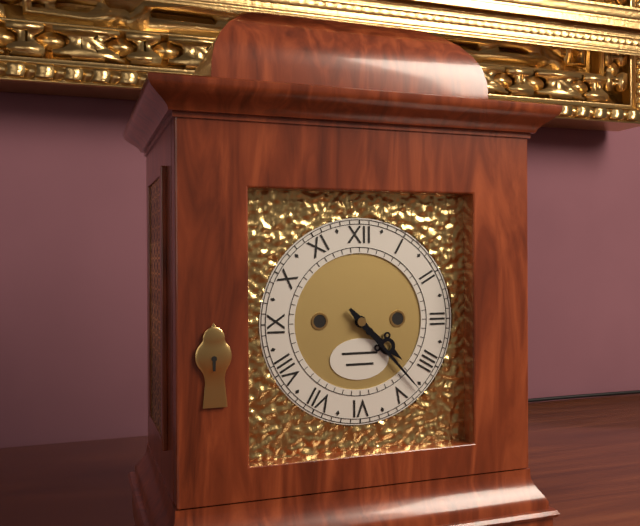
4:23
